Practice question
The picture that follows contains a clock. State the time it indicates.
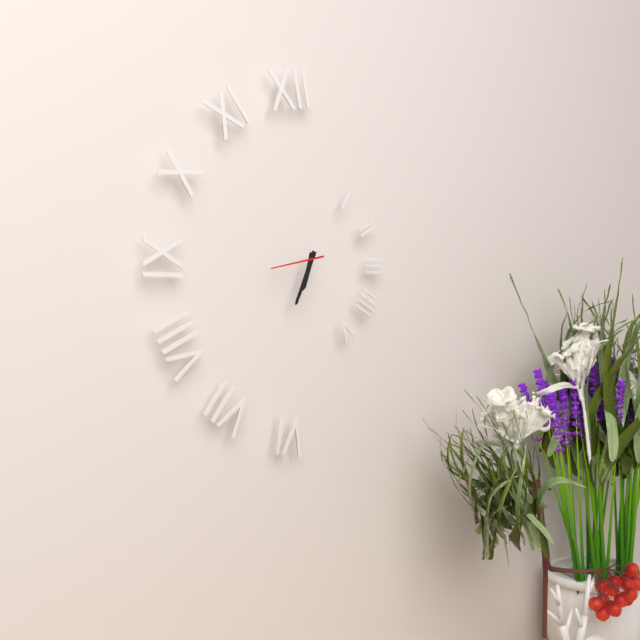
6:34:43
